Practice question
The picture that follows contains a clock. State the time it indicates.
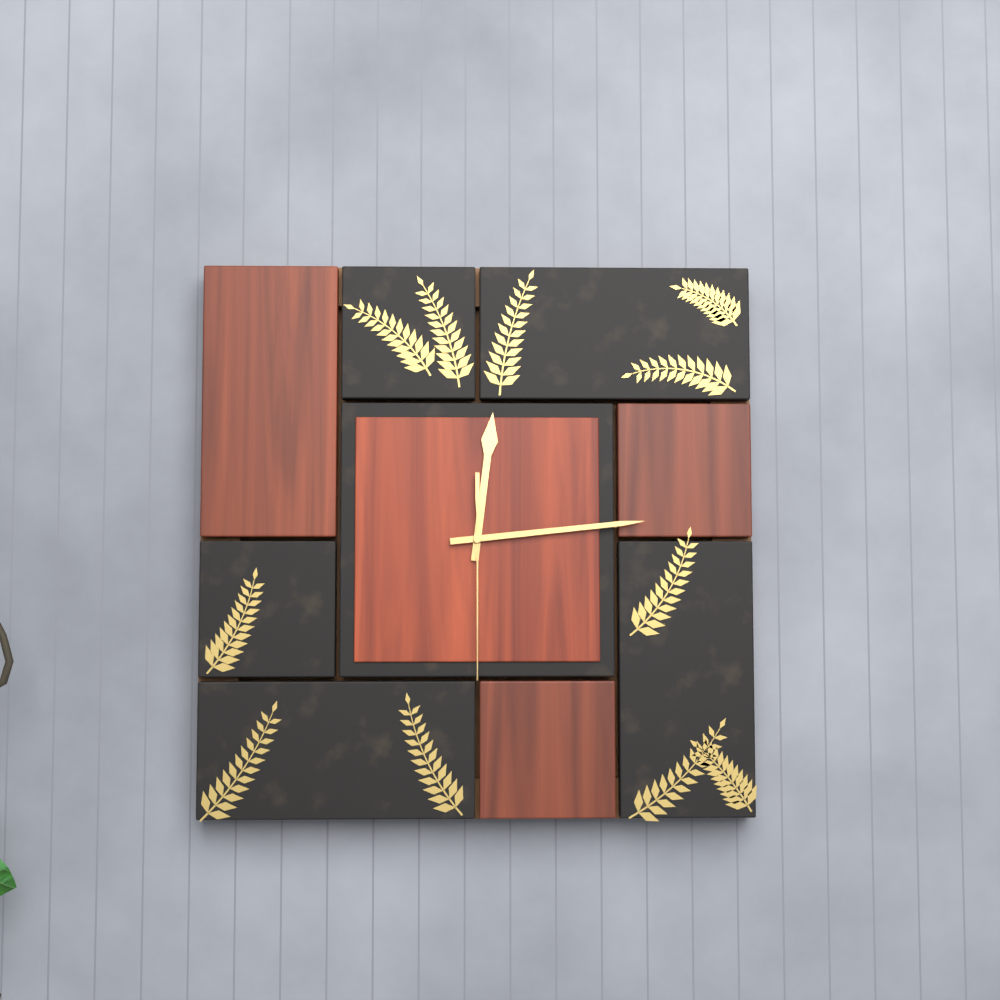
12:14:30
